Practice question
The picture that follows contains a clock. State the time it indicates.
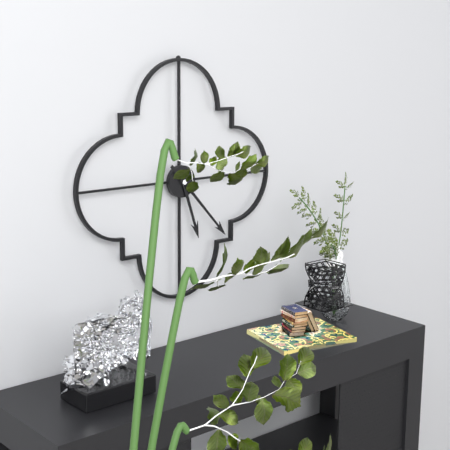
5:23
